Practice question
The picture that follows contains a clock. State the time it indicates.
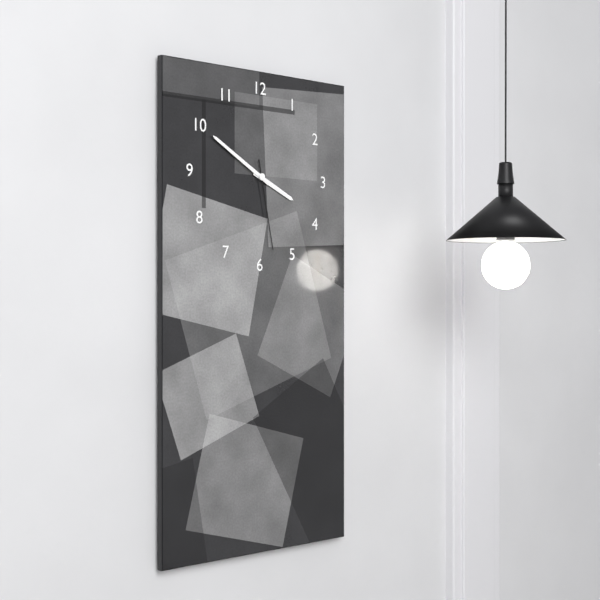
3:50:28
